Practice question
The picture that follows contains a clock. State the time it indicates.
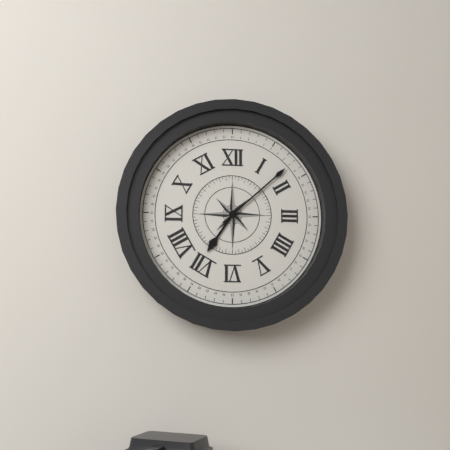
7:08
